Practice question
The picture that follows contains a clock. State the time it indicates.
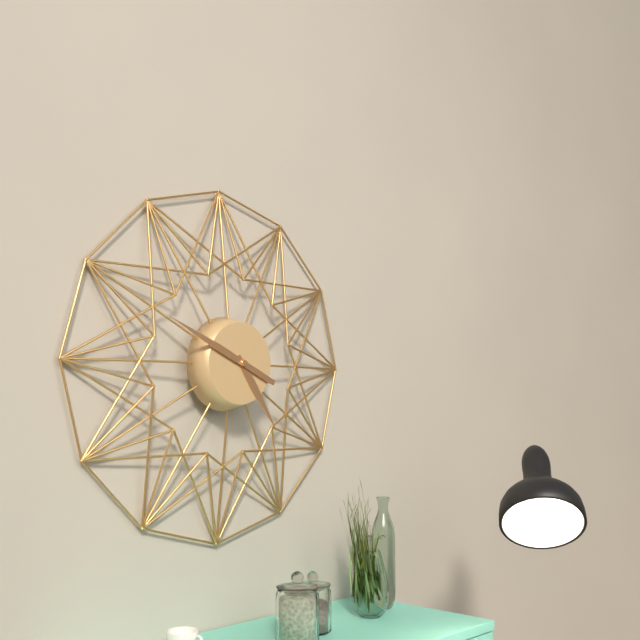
4:49
